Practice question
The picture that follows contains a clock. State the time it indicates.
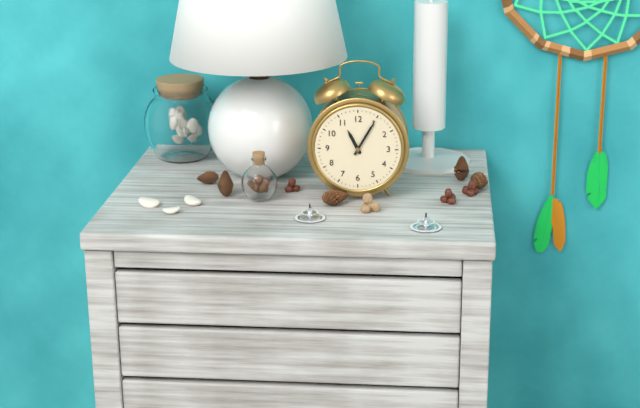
11:05
